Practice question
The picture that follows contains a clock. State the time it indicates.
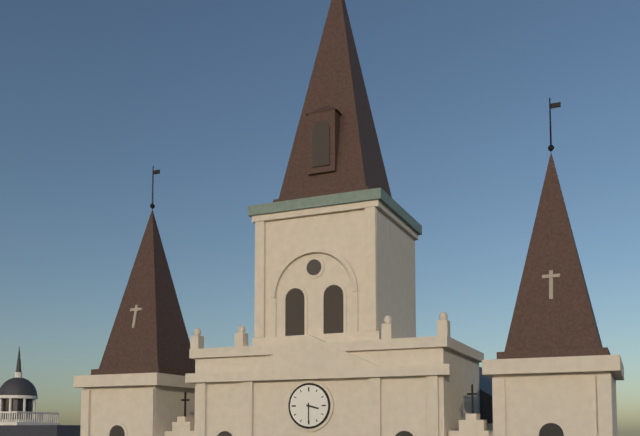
3:30
